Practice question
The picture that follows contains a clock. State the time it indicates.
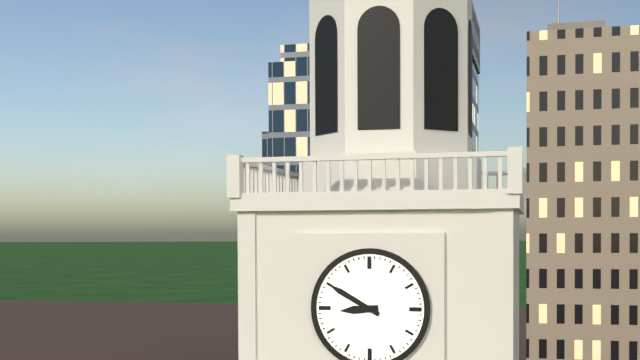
8:50
